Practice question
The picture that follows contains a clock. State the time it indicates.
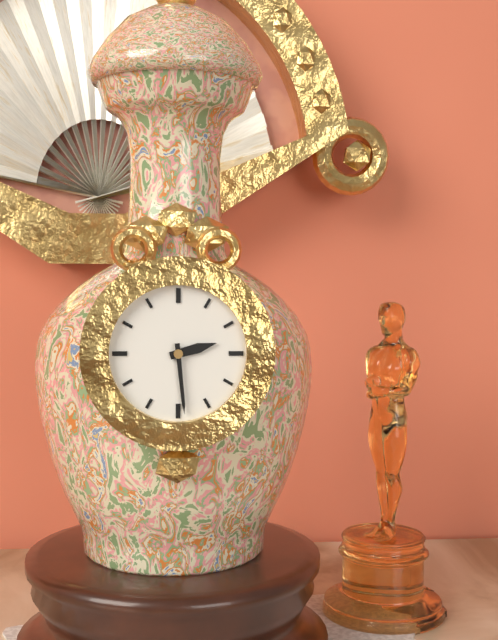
2:29
